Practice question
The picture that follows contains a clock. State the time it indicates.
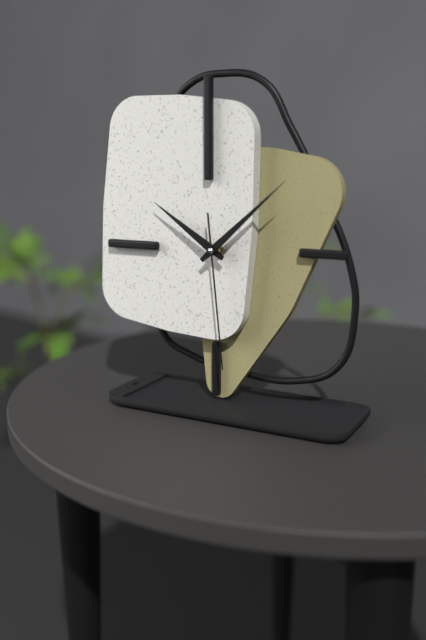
10:08:29
